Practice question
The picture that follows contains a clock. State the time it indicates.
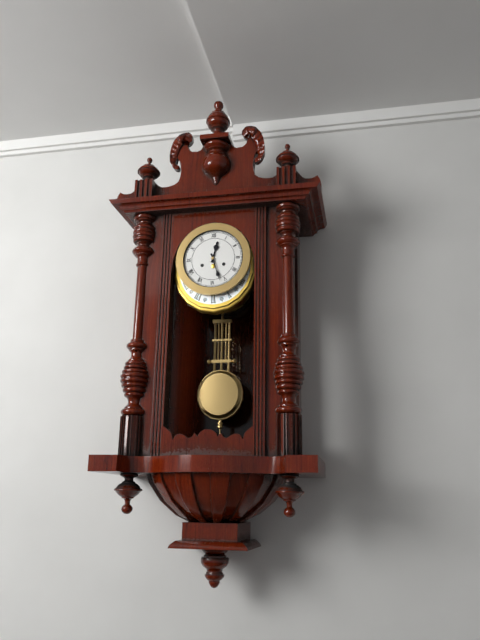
12:27
